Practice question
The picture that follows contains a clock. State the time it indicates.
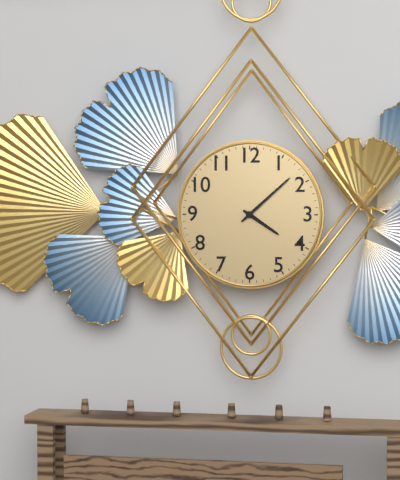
4:08
